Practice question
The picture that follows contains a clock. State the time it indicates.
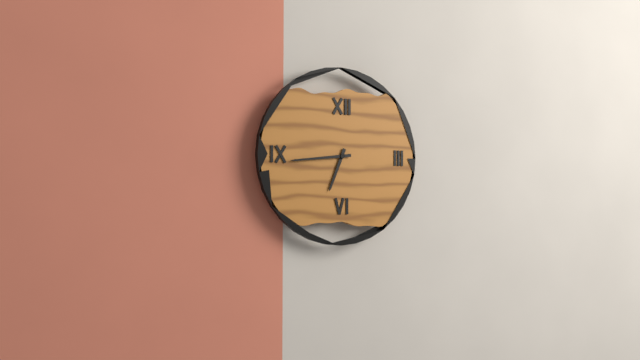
6:44
